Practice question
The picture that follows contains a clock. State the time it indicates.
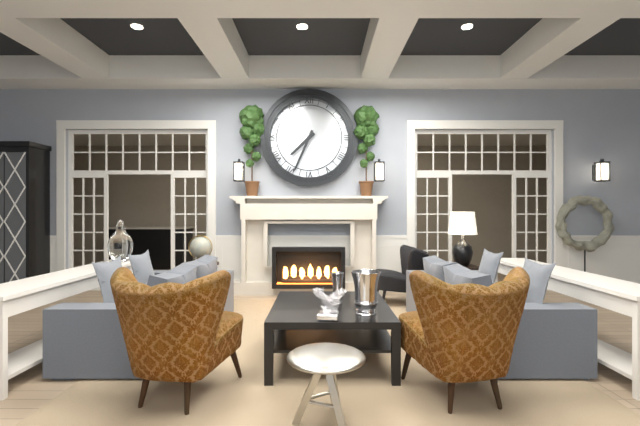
7:34
